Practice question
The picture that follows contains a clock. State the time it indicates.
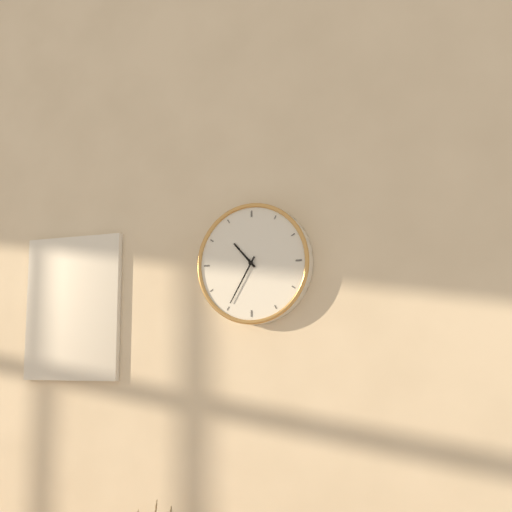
10:35
